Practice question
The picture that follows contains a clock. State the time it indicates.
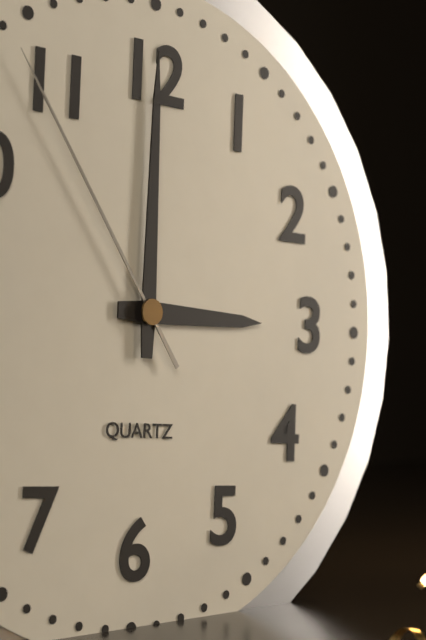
3:00:54
